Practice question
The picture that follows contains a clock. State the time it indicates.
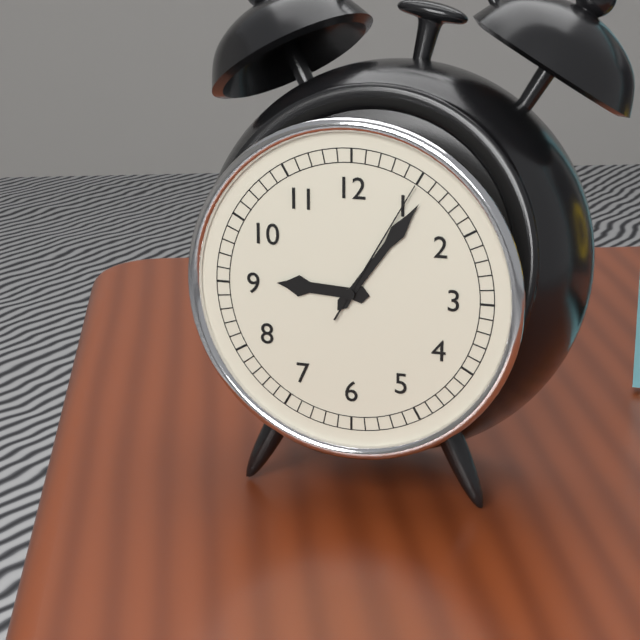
9:06:05
